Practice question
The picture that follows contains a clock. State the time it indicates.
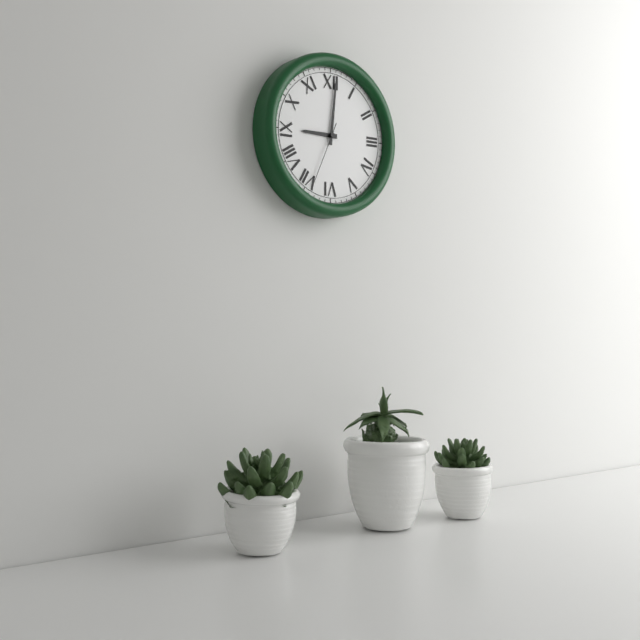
9:01:34
